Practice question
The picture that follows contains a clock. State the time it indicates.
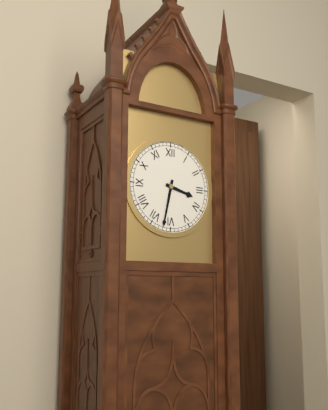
3:32
